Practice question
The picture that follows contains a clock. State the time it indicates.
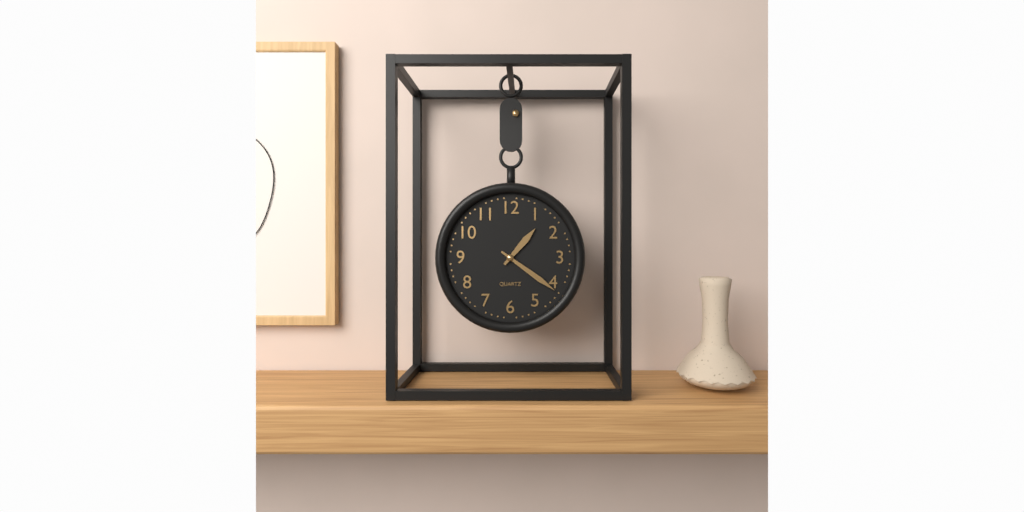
1:21
